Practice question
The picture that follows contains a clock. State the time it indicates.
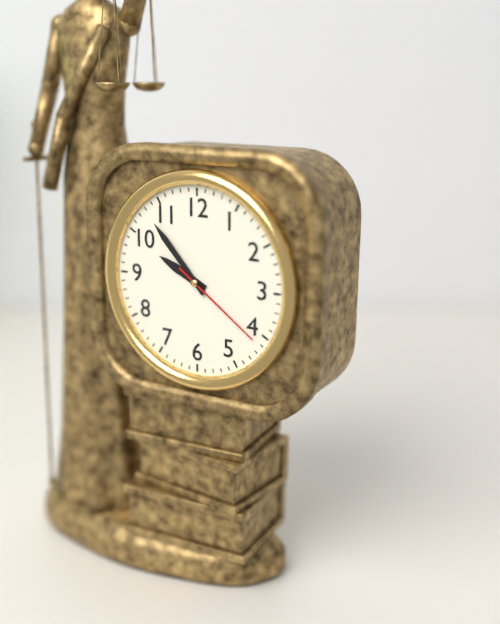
9:53:21
